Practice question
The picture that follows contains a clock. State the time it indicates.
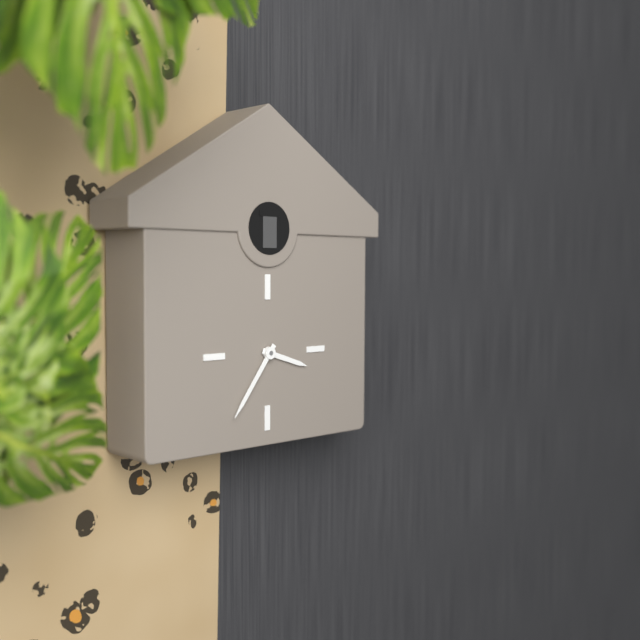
3:36
